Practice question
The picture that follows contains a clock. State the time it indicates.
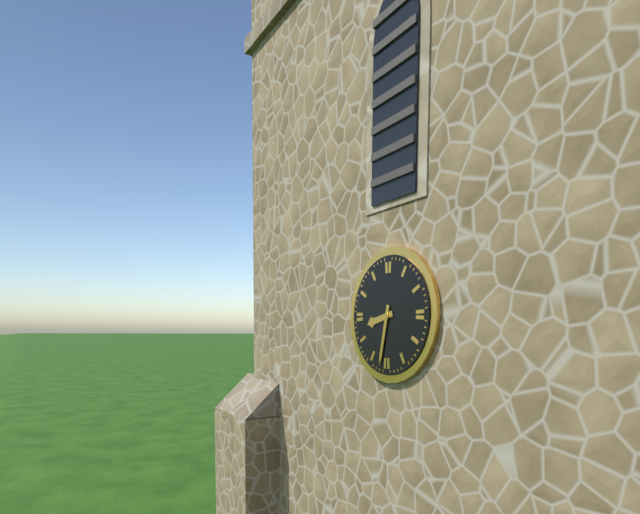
8:32
